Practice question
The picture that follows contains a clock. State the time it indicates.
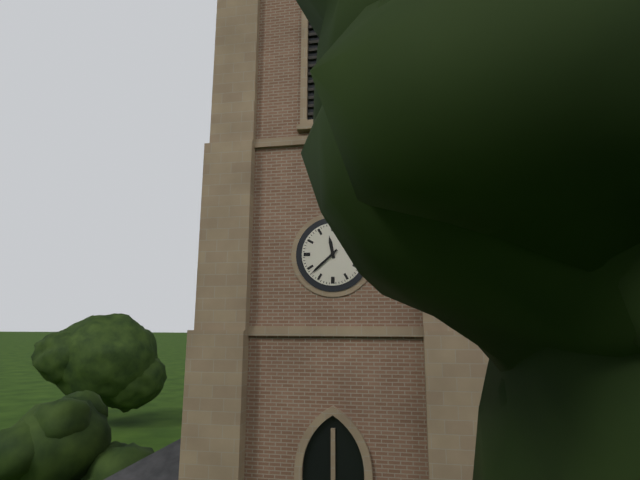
11:38
